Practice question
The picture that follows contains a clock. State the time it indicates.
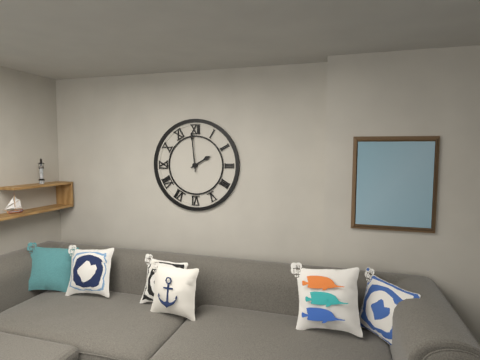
1:59
